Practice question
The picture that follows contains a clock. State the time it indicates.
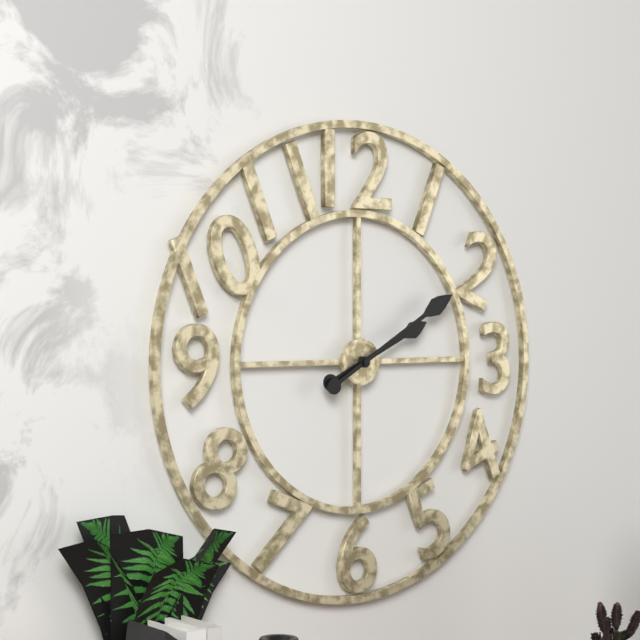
2:10
